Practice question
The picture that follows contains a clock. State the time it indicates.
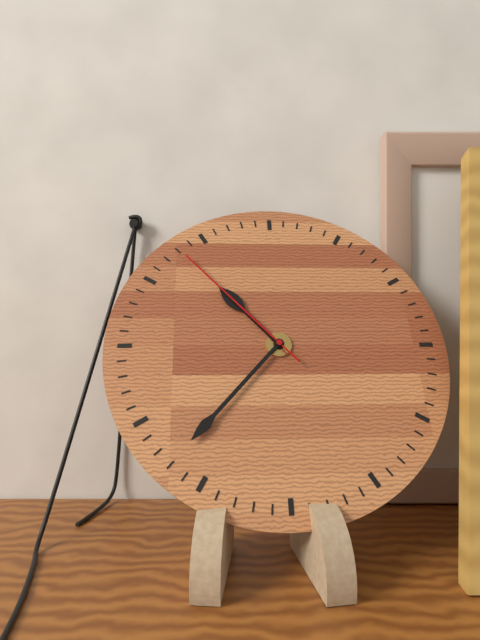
10:37:53
